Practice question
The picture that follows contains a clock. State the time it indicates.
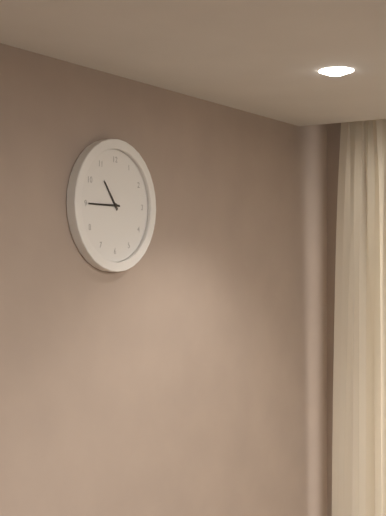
10:45
